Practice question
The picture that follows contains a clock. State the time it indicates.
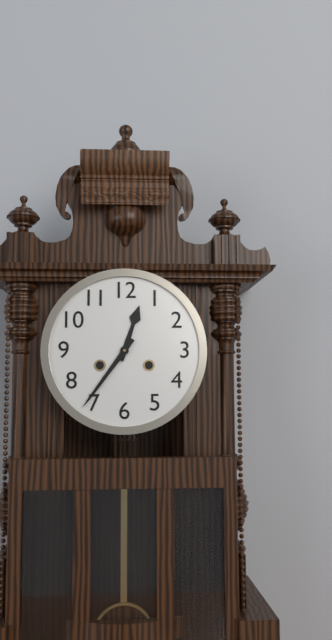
12:36
